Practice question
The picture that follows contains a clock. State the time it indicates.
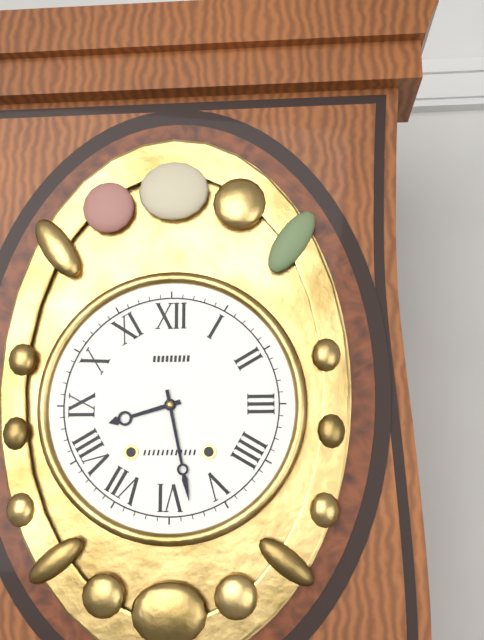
8:28
